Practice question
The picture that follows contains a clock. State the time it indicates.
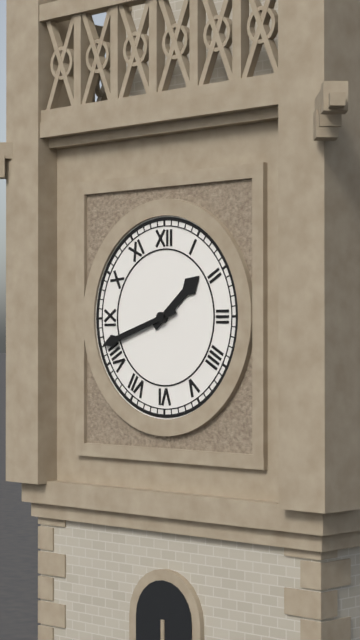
1:42
